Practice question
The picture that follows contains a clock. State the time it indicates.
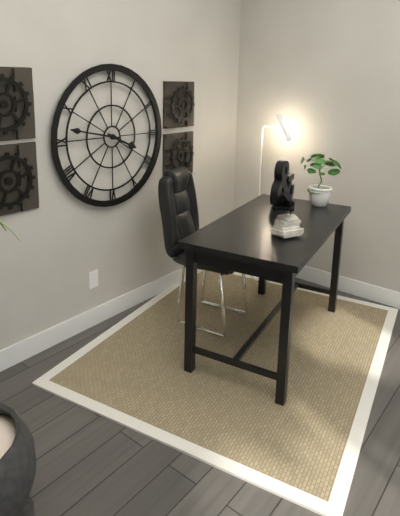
3:47
